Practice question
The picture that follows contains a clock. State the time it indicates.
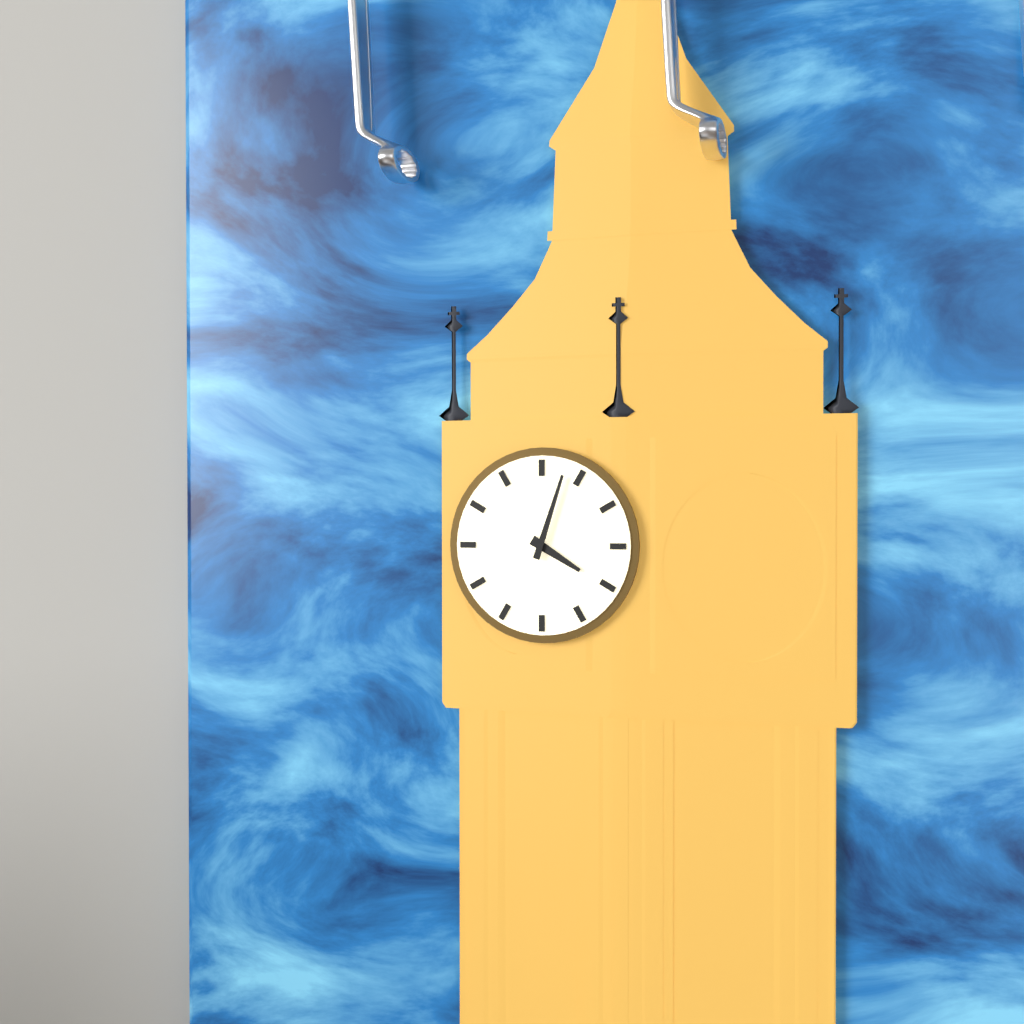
4:03
